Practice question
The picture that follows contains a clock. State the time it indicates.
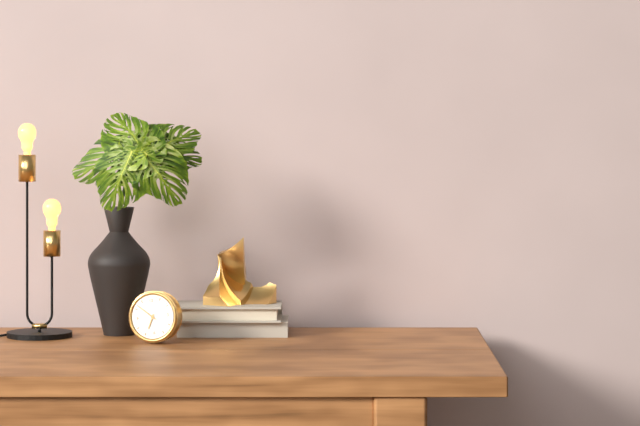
6:52
